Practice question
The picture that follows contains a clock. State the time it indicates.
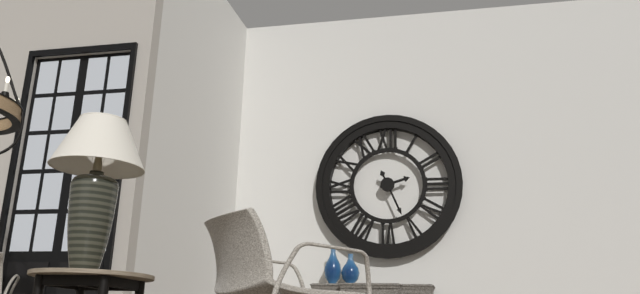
2:26
